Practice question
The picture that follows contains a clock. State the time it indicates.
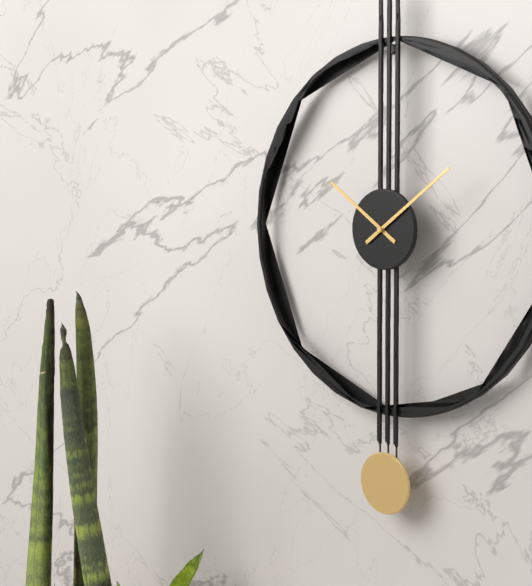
10:09
